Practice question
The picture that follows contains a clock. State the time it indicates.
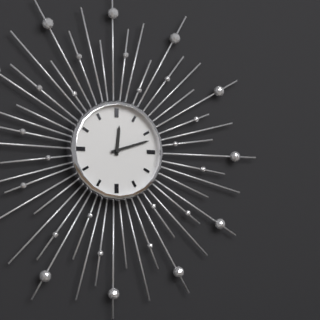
12:12
